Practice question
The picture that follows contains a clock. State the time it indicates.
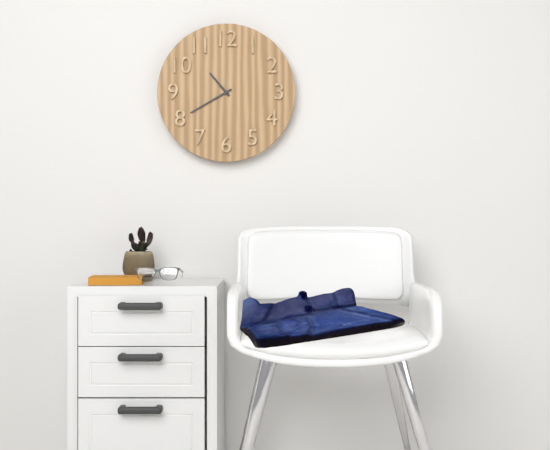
10:40
